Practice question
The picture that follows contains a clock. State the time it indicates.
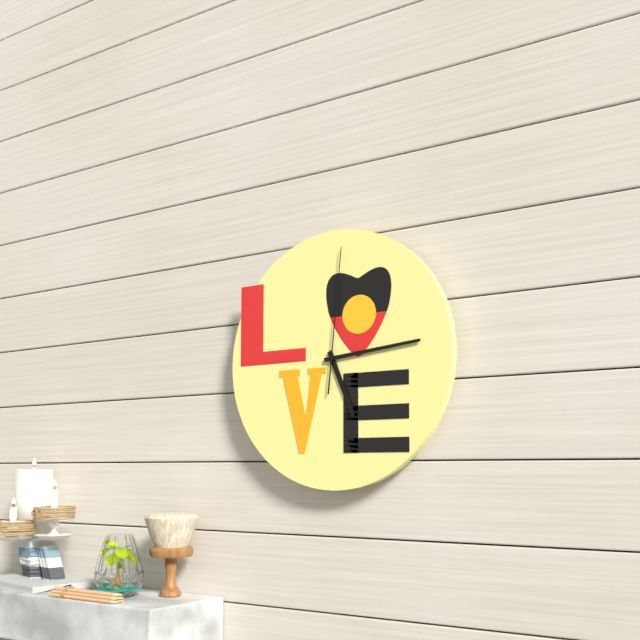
5:14:01
